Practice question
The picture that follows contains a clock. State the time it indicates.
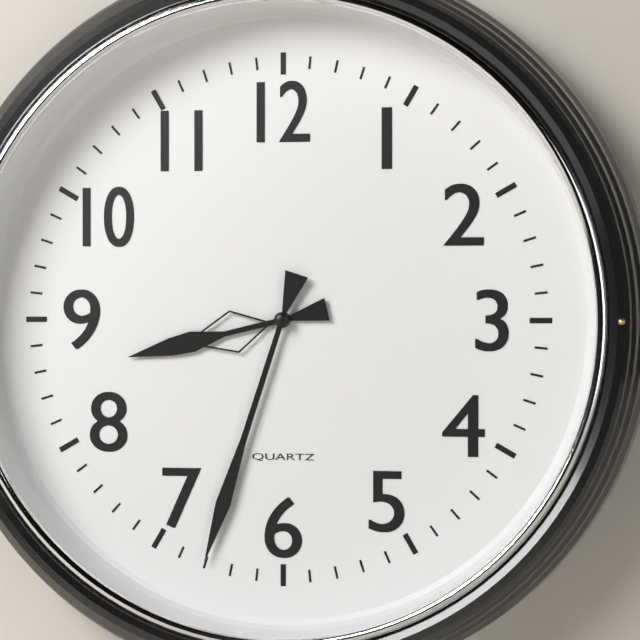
8:33
